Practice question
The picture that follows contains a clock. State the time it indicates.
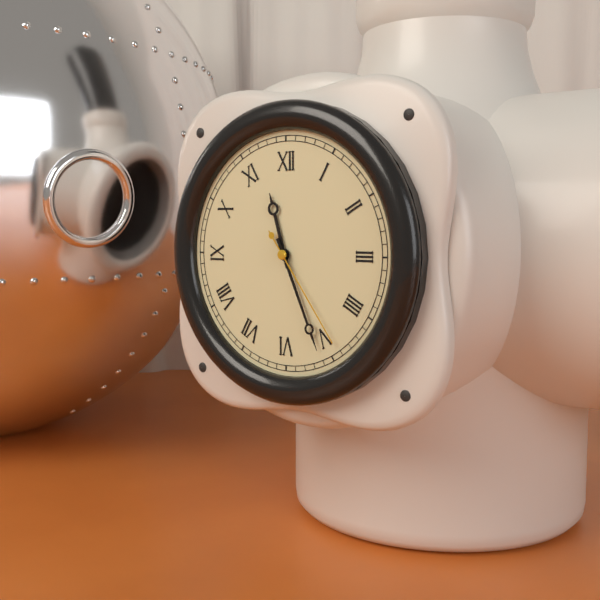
11:26:24
